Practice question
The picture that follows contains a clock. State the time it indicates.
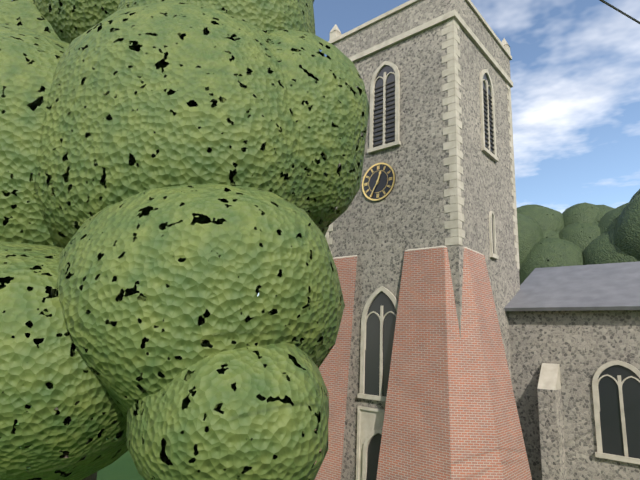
12:35
